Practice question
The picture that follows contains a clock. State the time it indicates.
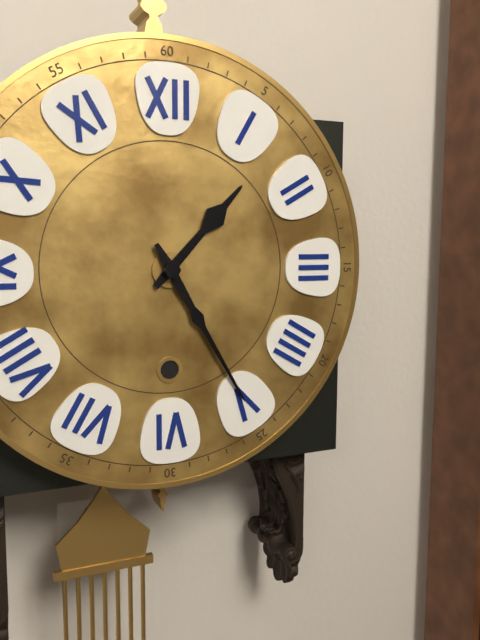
1:25
